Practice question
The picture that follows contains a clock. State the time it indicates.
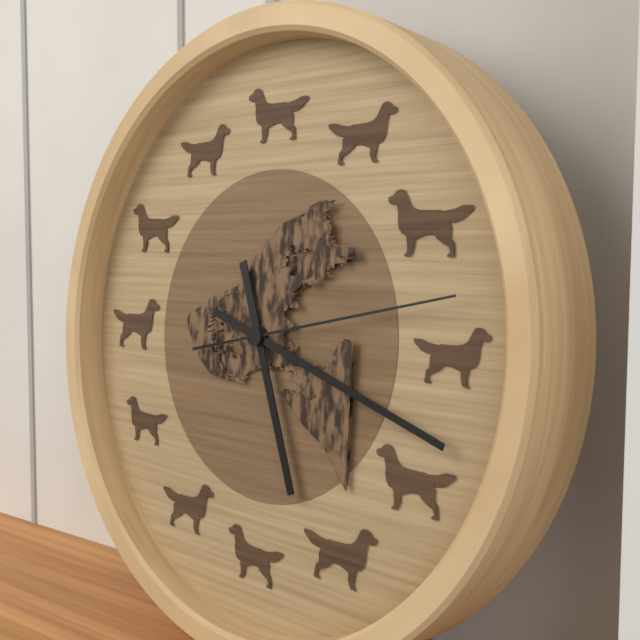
5:18:13
